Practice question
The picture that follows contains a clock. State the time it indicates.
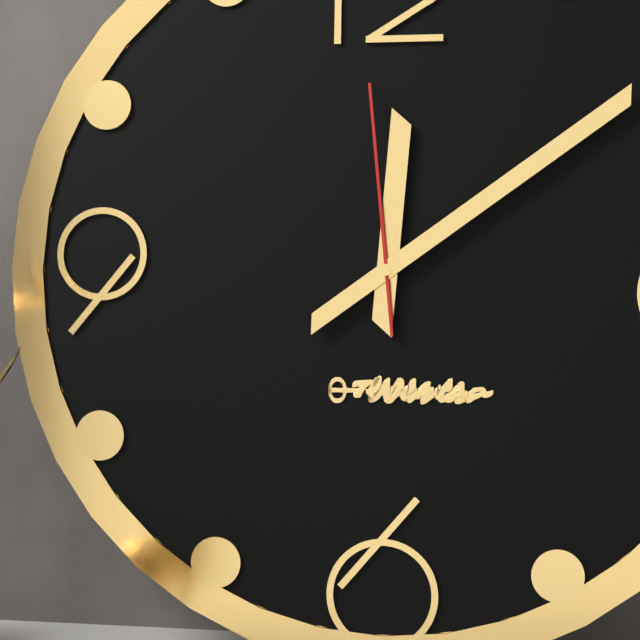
12:09:59
